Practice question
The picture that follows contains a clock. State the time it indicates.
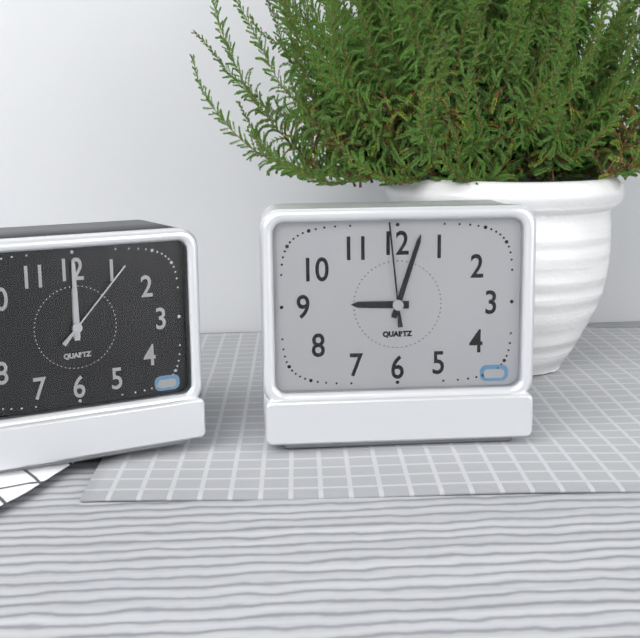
9:03:59
